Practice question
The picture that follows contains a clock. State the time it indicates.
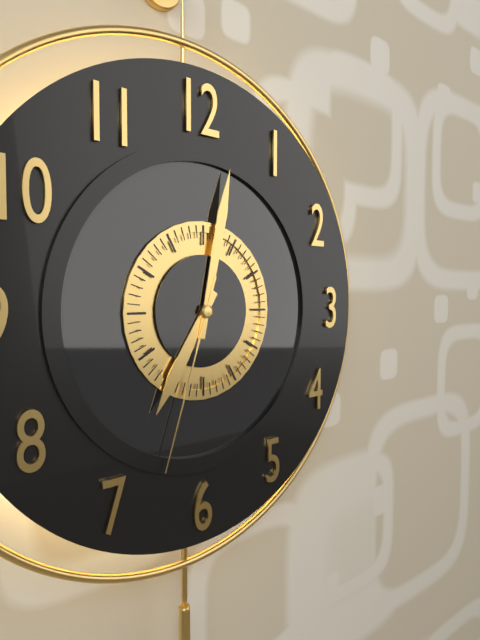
7:02:33
